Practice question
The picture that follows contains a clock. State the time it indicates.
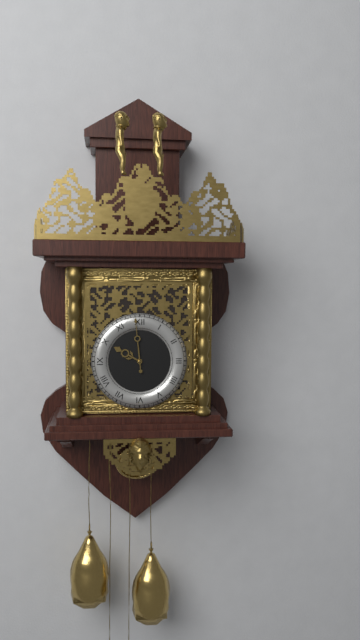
9:59
